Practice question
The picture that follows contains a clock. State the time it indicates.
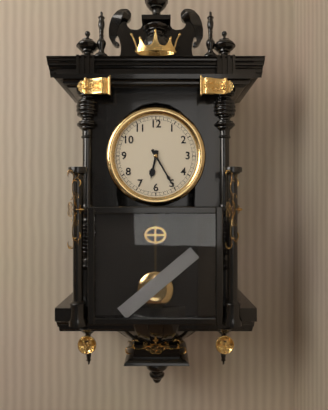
6:25
